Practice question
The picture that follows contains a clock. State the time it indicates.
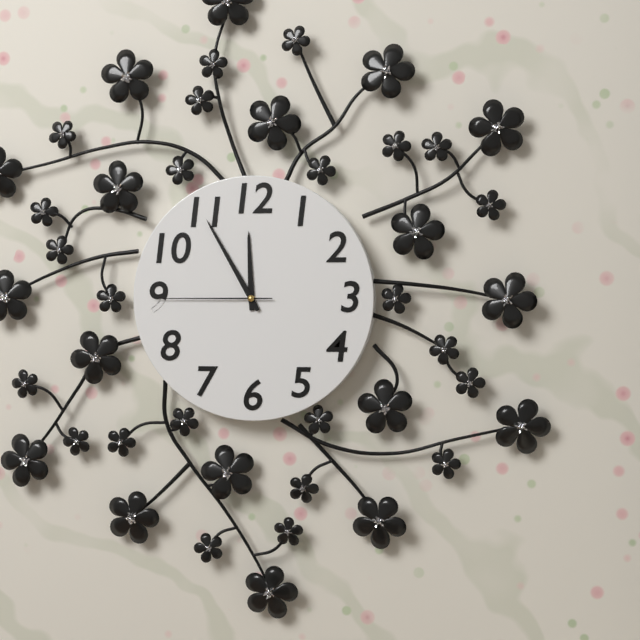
11:55:45
